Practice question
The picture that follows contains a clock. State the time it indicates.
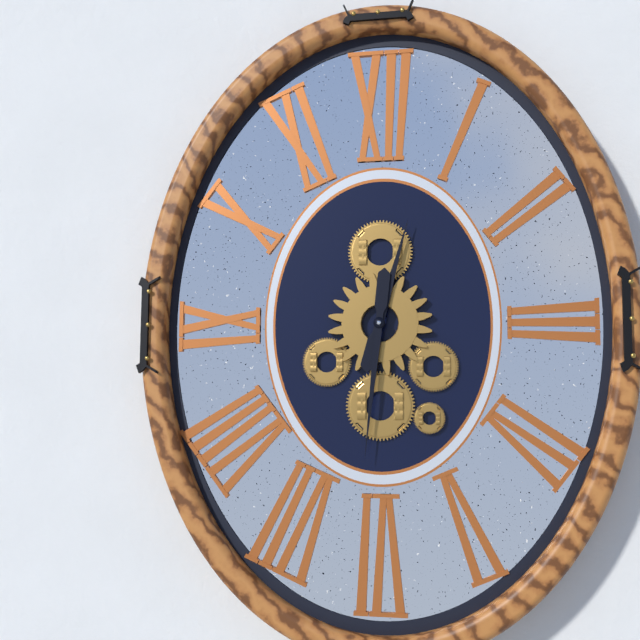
12:31
